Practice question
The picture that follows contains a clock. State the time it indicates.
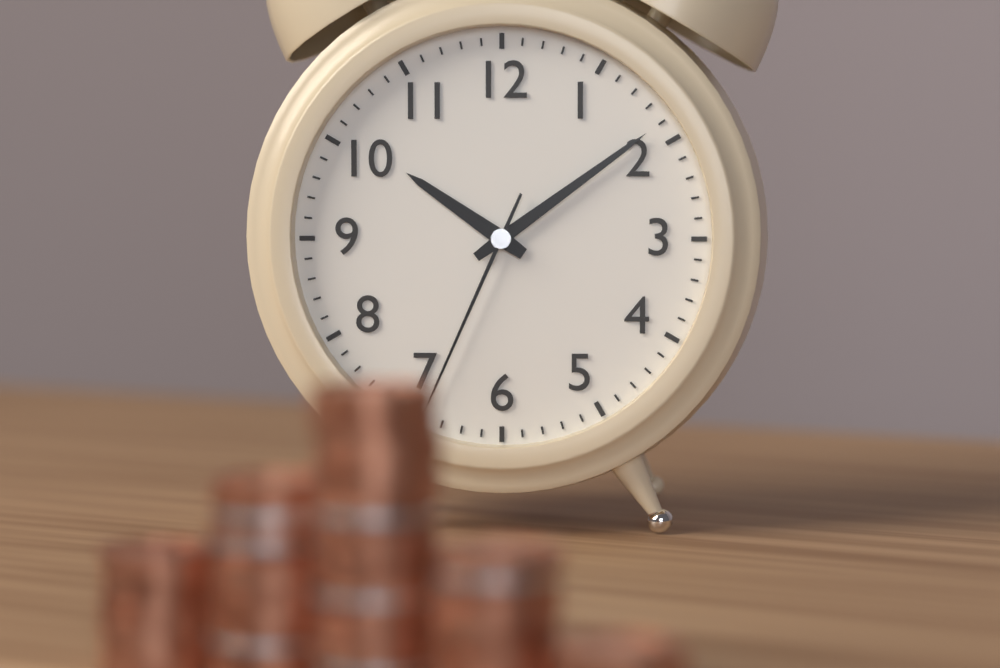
10:09:34
